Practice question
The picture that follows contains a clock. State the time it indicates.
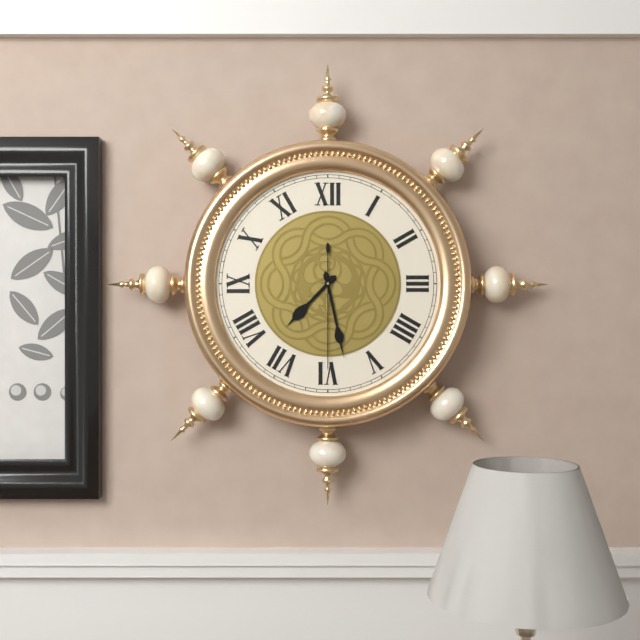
7:28:30
